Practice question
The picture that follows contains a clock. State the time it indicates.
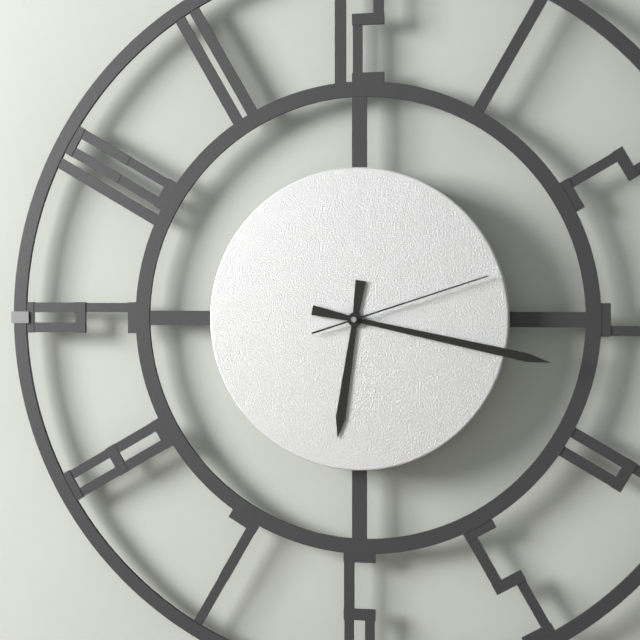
6:17:12
